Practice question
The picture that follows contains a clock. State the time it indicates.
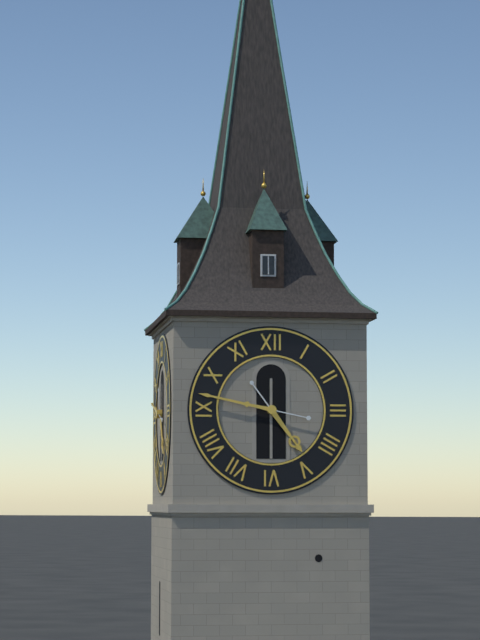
4:47
